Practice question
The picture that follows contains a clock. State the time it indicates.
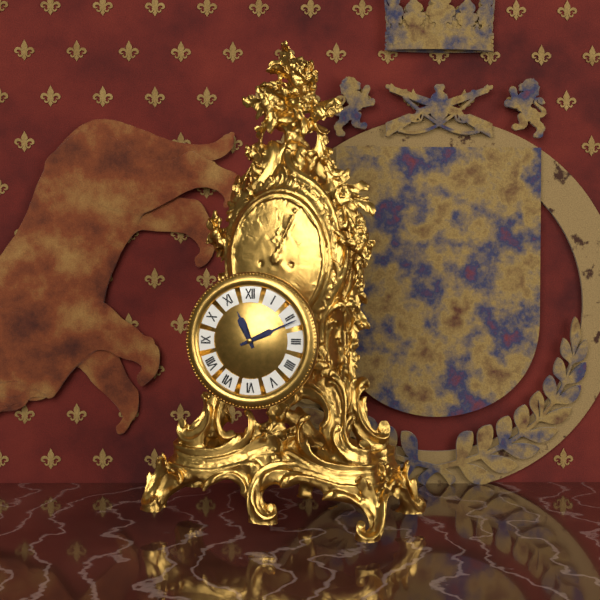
11:11
